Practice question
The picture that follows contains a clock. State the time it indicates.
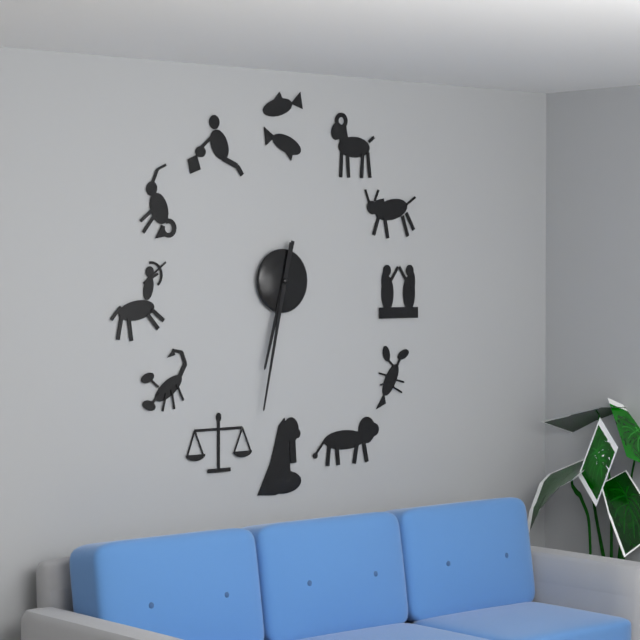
6:32
